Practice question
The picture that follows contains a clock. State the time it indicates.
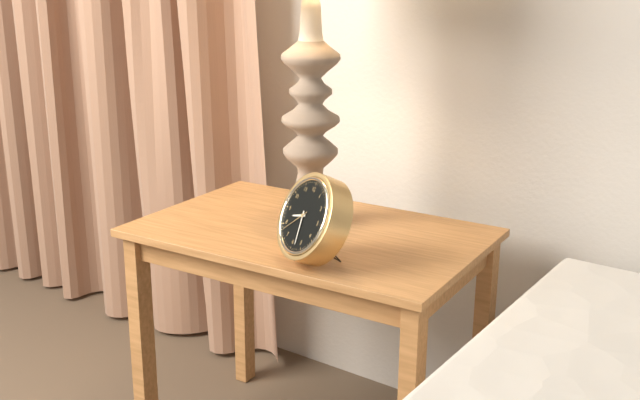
8:28
